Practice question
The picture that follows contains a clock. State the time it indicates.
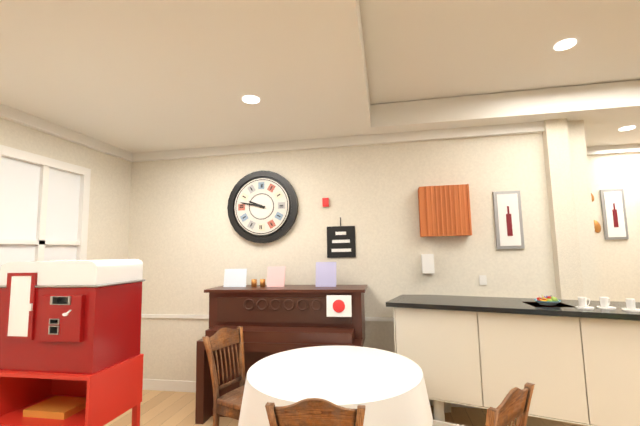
9:47
